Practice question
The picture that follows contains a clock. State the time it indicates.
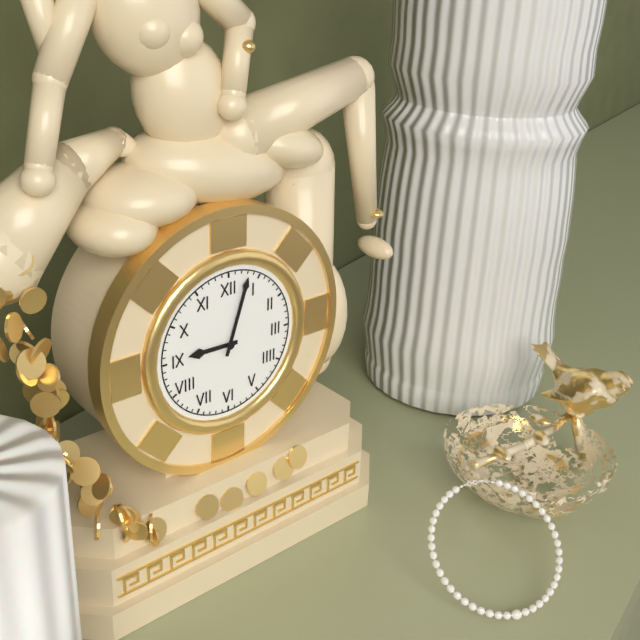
9:03
